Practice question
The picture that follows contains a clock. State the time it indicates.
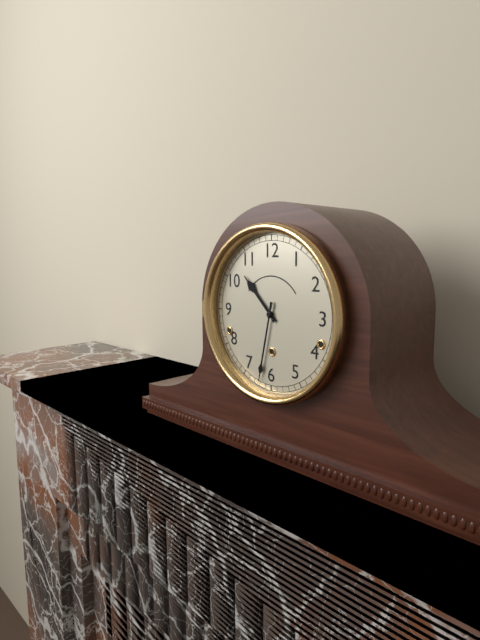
10:32
